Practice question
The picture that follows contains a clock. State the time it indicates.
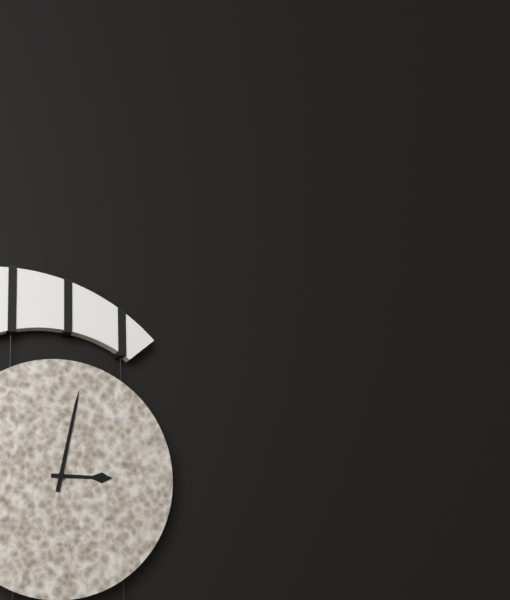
3:02
